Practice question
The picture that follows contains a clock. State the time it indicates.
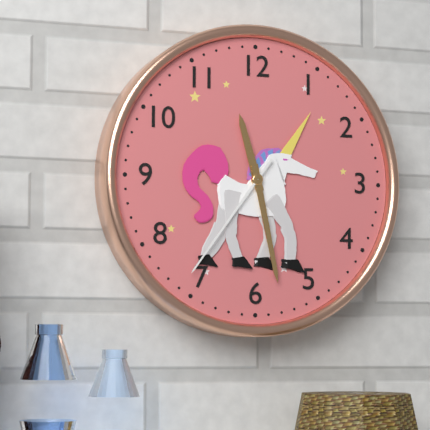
11:28:36
